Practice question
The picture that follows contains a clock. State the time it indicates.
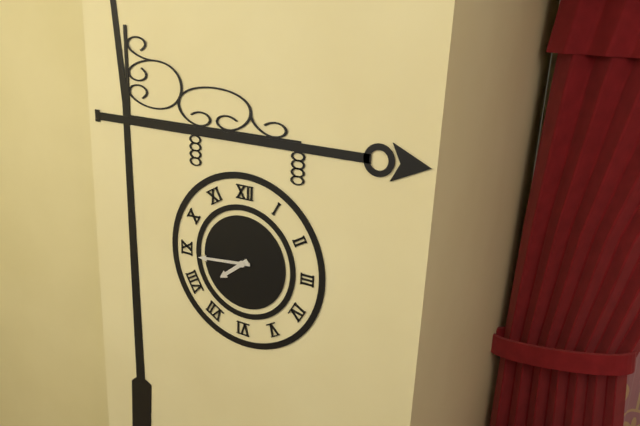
7:44
